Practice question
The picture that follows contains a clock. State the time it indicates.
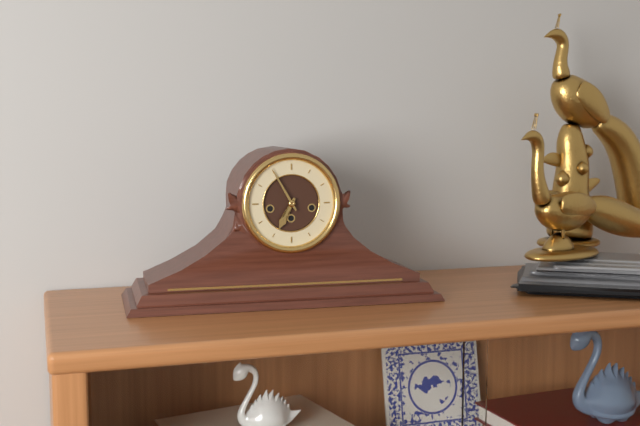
6:55
